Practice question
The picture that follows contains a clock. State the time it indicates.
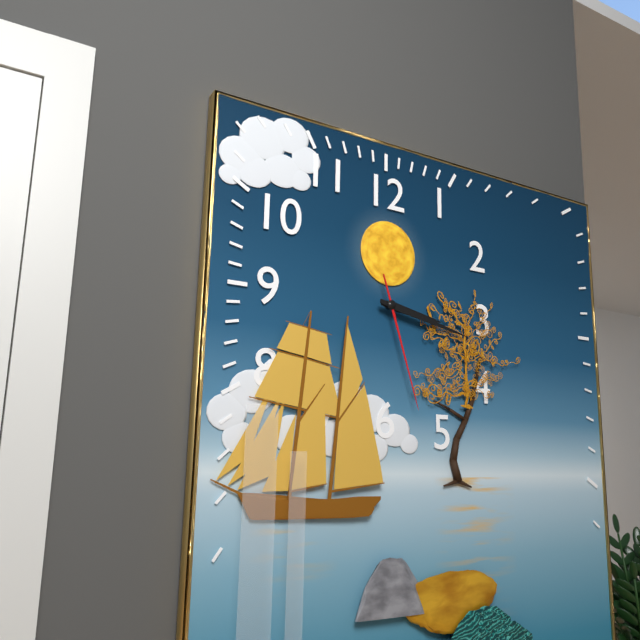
3:17:27
